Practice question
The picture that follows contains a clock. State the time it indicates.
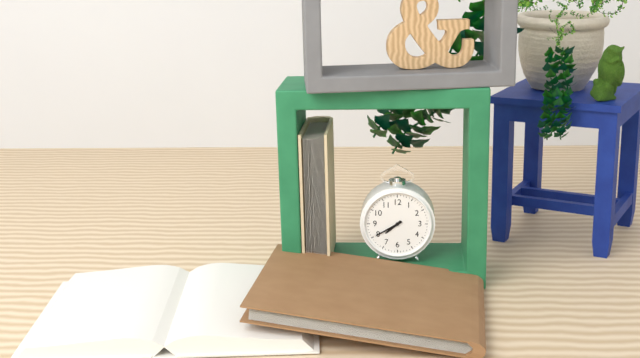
7:40
